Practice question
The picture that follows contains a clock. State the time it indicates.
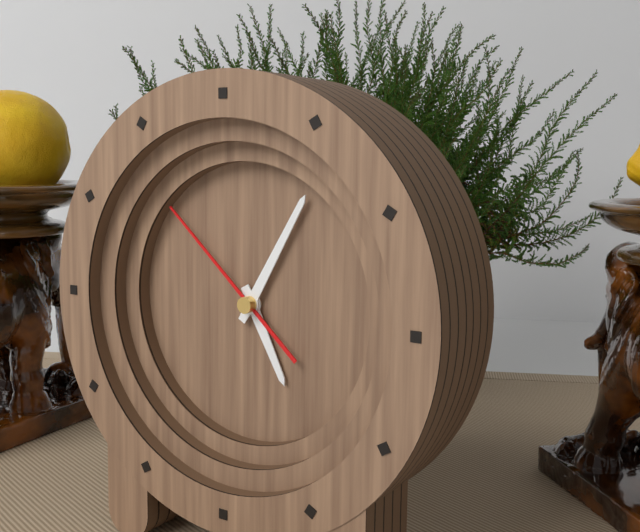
5:05:52
